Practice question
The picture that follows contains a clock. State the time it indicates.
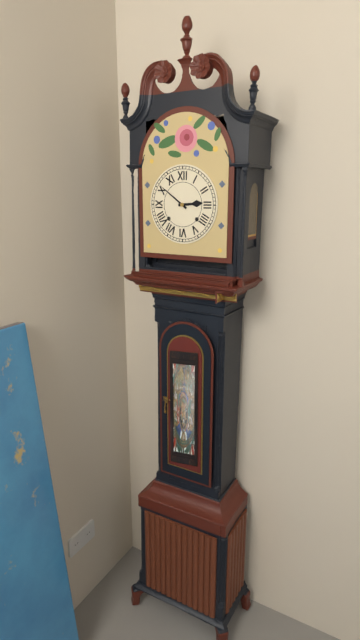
2:51
